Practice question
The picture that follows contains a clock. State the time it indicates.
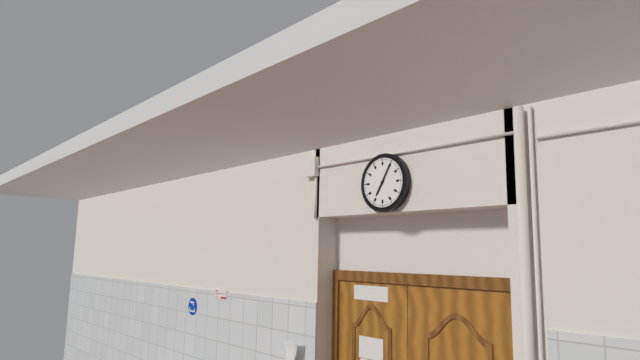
7:05
